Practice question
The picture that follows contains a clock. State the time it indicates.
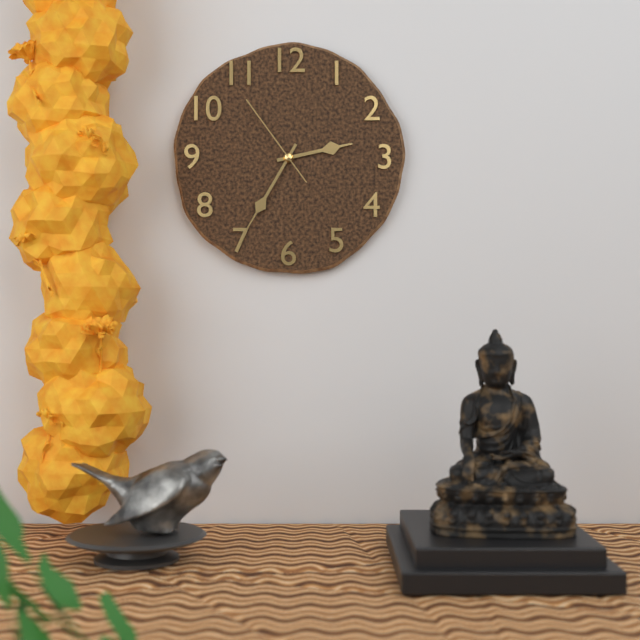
2:35:54
